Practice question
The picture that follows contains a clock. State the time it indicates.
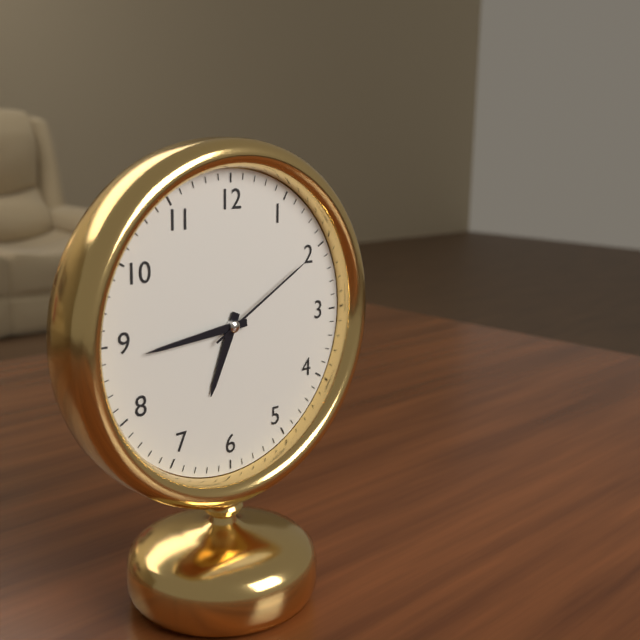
6:44:10
